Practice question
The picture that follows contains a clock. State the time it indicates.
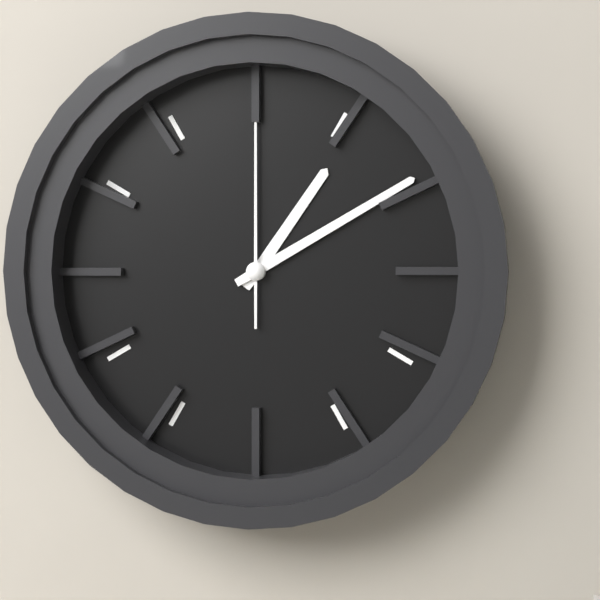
1:10:00
